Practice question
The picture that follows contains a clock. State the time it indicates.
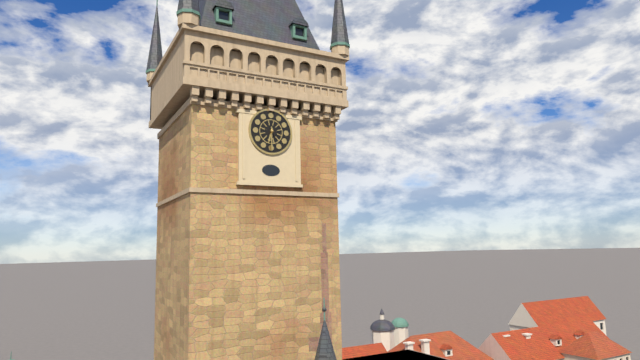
6:30
